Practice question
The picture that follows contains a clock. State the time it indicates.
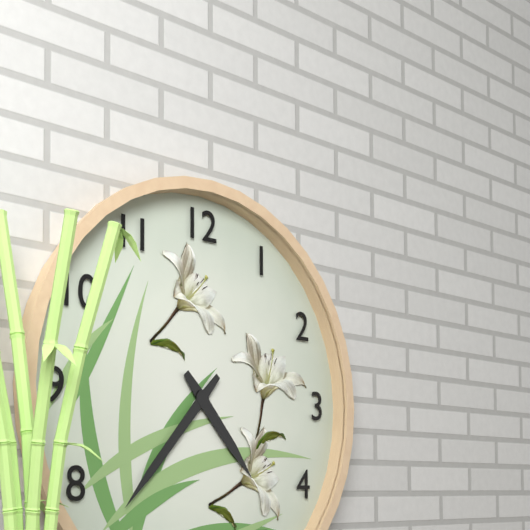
4:37
